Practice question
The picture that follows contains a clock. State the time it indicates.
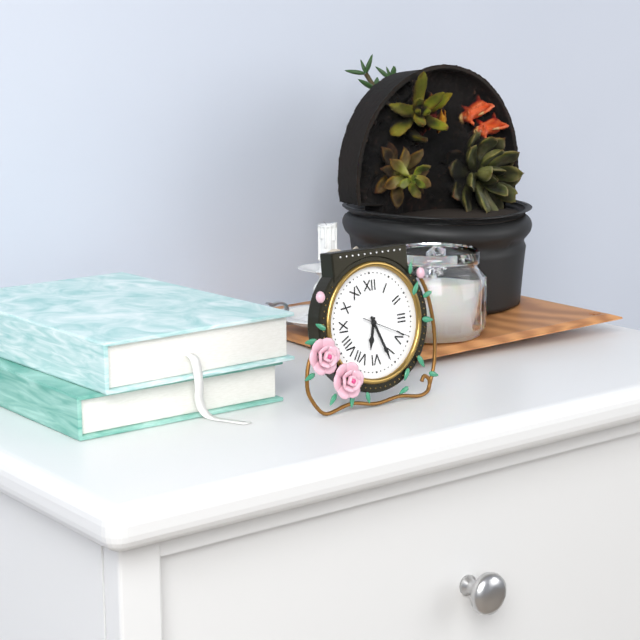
6:26:19
